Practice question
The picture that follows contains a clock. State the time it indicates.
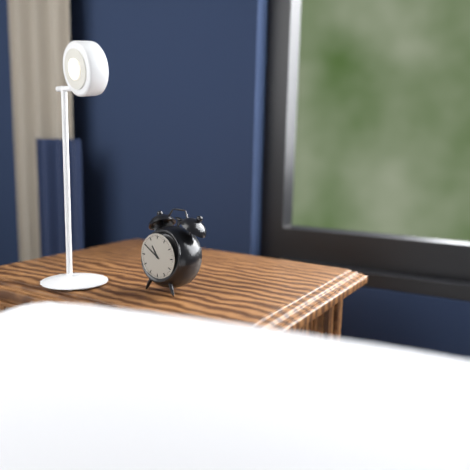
10:50
